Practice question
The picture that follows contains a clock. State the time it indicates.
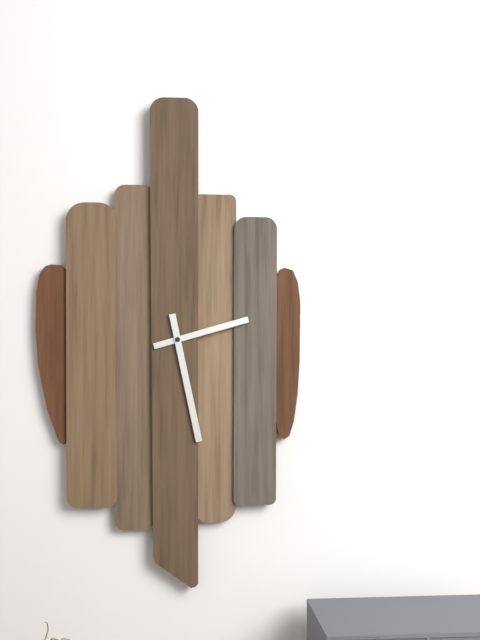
2:28
